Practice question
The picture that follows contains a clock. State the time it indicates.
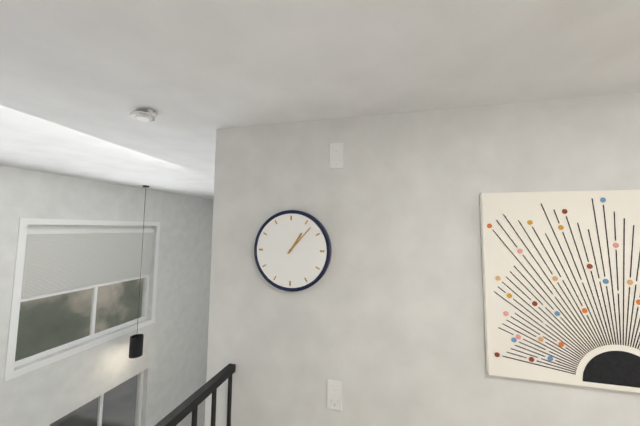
1:07
